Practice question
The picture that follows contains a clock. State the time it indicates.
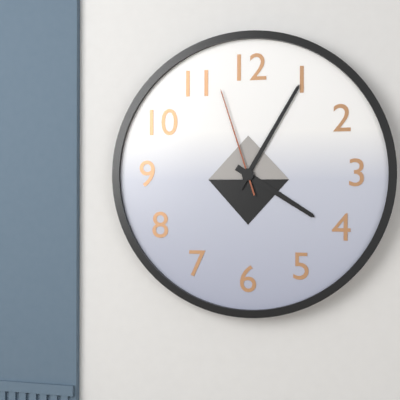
4:05:57
